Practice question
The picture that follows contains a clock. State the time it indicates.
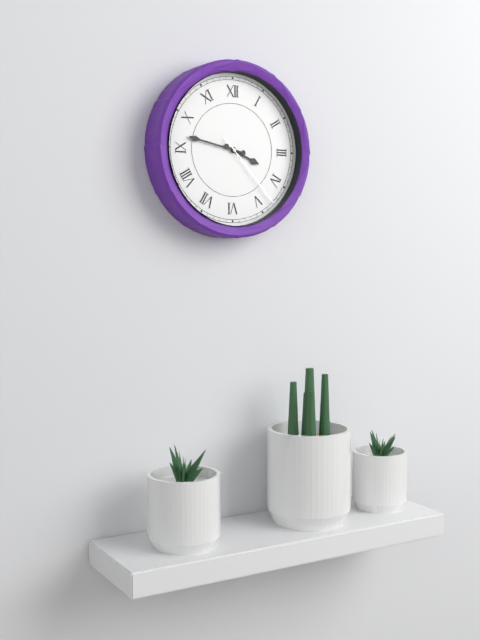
3:47:23
